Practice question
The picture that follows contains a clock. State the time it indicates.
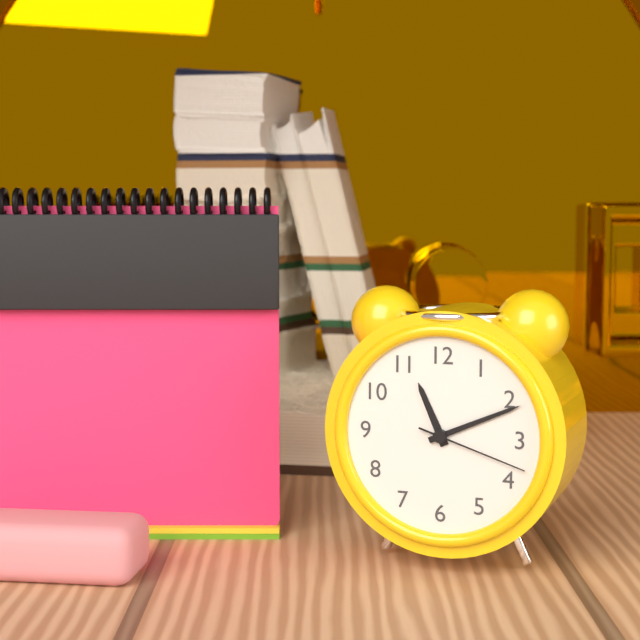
11:11:18
